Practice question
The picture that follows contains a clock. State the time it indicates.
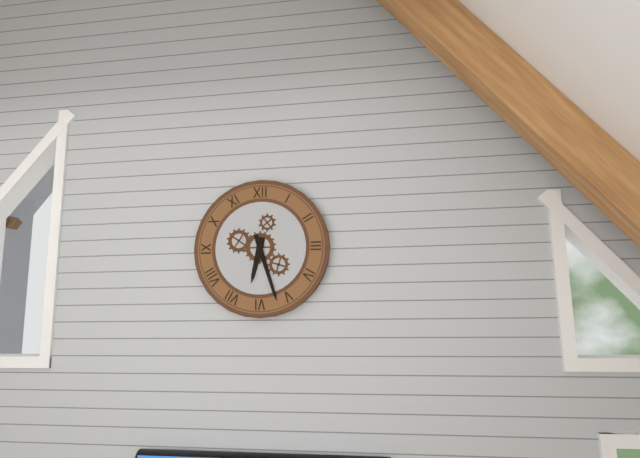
6:27
